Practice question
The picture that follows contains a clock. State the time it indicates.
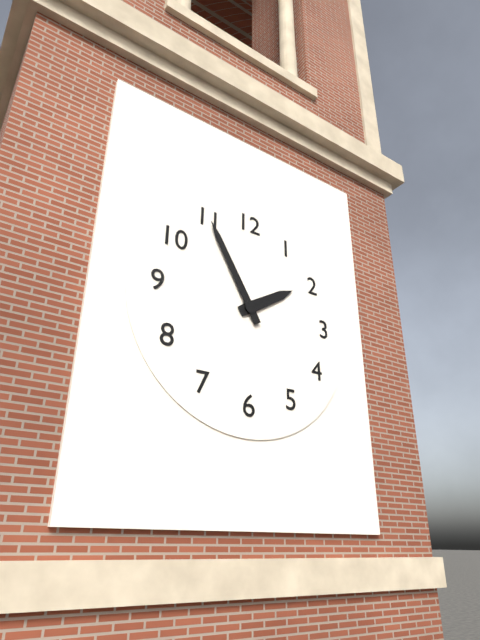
1:55
